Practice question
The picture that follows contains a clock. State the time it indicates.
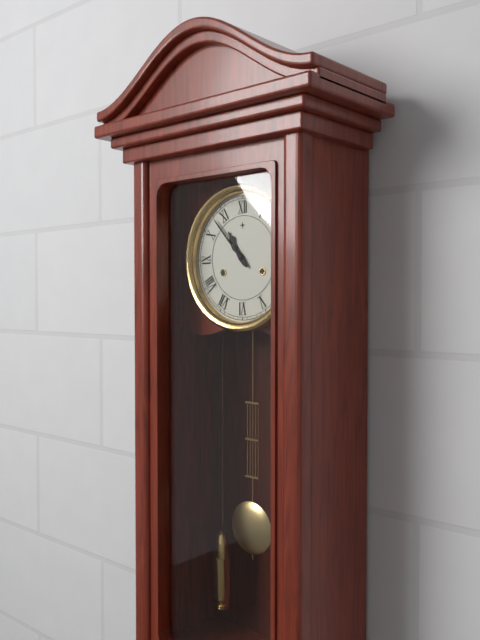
10:53
